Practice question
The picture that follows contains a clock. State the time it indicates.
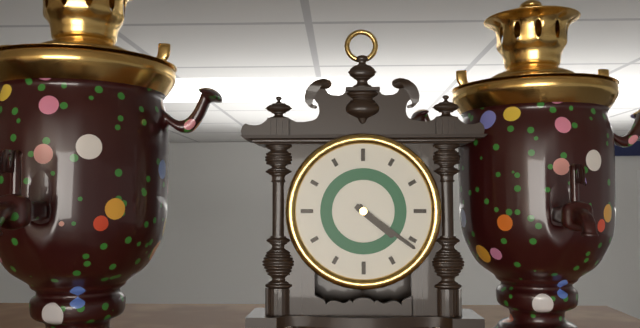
4:21
